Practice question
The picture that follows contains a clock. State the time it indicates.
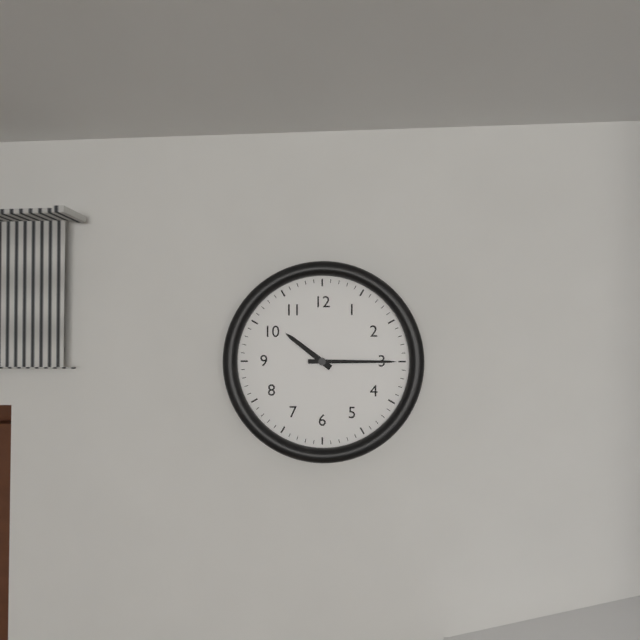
10:15
